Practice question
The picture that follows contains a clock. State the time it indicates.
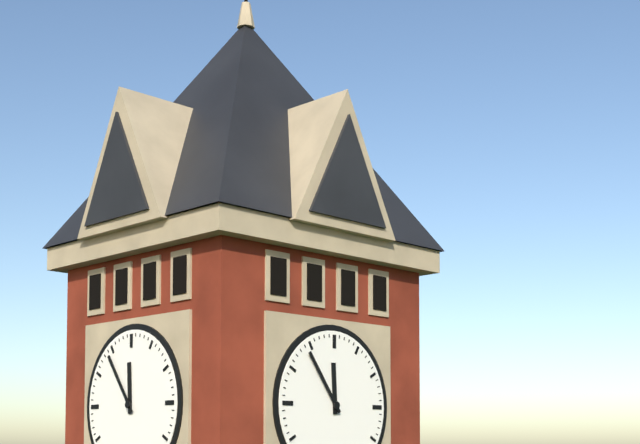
11:54
